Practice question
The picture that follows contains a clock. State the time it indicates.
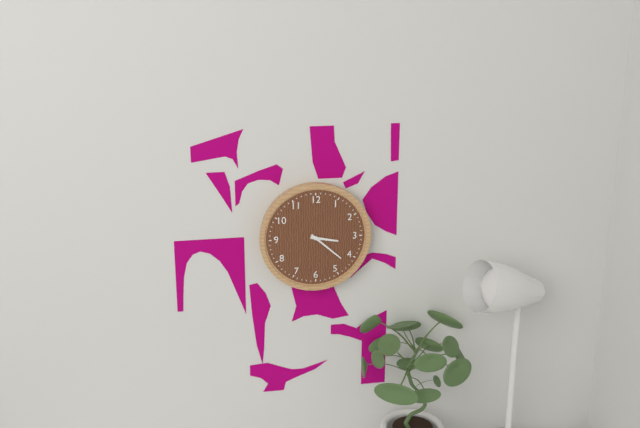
3:22
